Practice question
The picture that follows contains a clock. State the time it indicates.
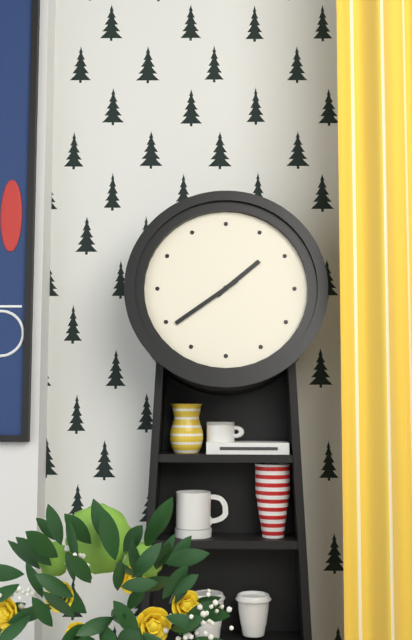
1:39
